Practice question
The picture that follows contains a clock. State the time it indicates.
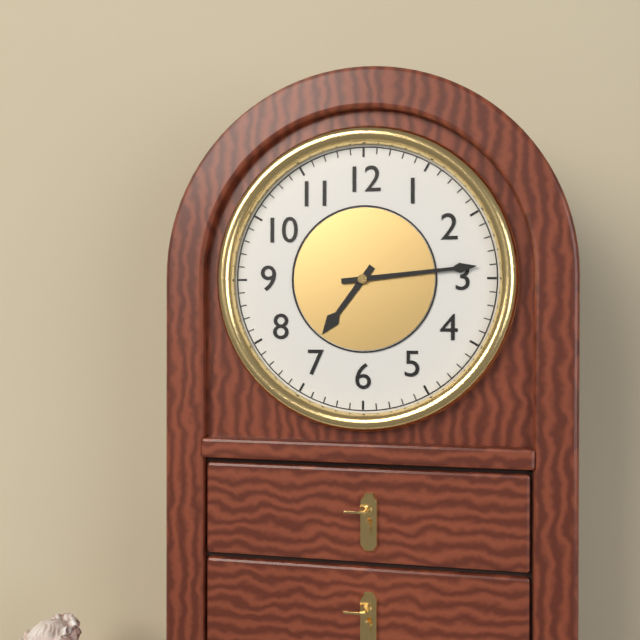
7:14
